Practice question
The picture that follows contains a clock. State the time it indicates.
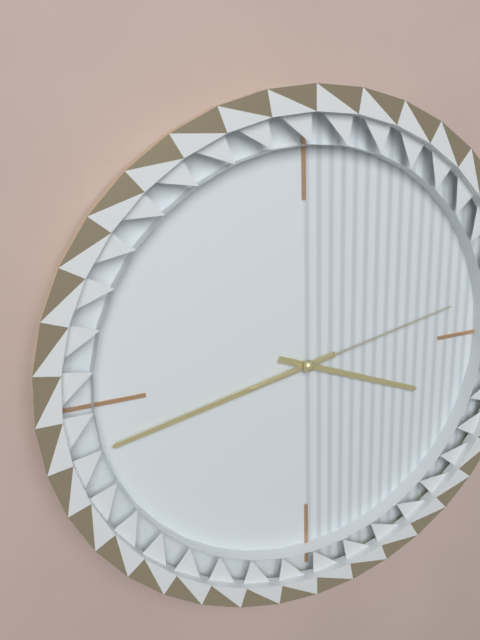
3:43:13
